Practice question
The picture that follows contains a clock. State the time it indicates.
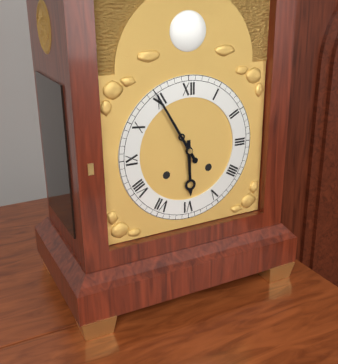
5:55
